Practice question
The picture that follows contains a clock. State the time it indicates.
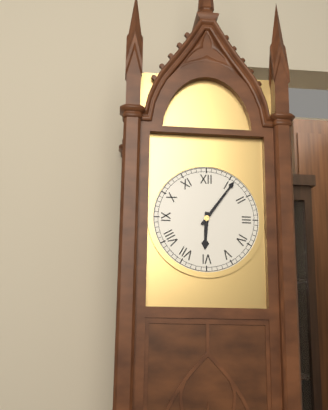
6:06
